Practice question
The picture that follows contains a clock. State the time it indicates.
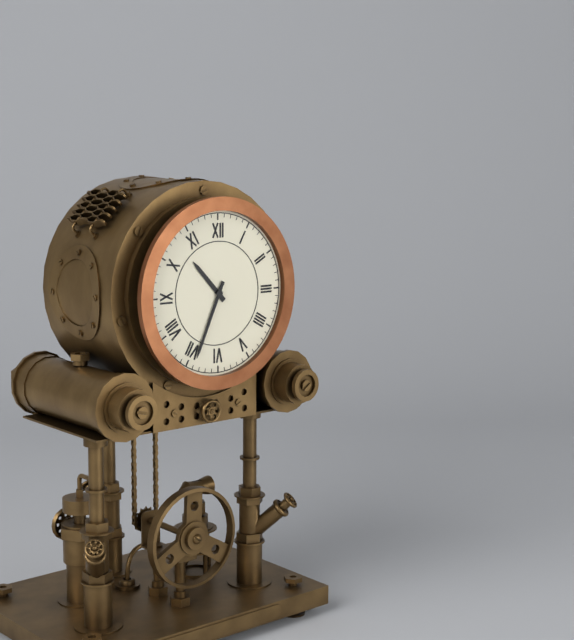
10:34
